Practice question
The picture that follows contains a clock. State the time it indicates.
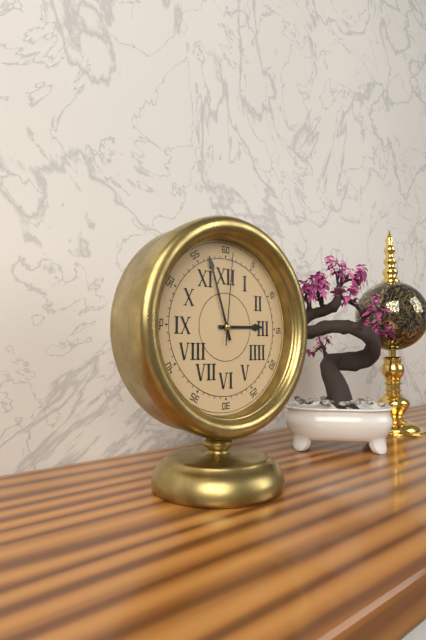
2:57:01
